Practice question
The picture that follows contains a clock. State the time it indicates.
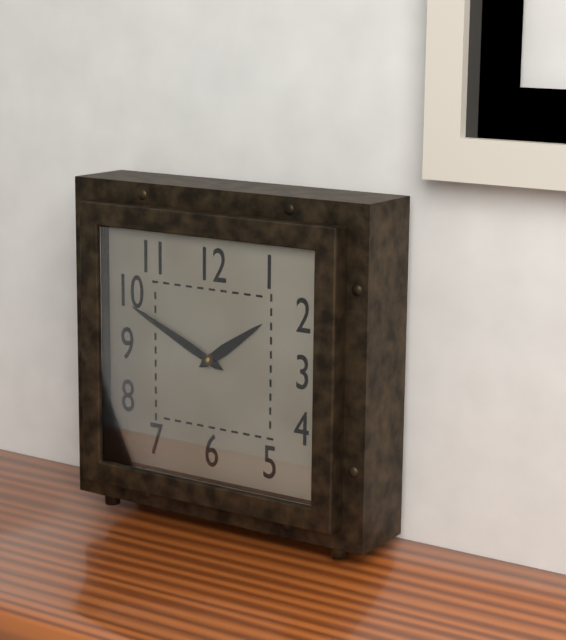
1:49
